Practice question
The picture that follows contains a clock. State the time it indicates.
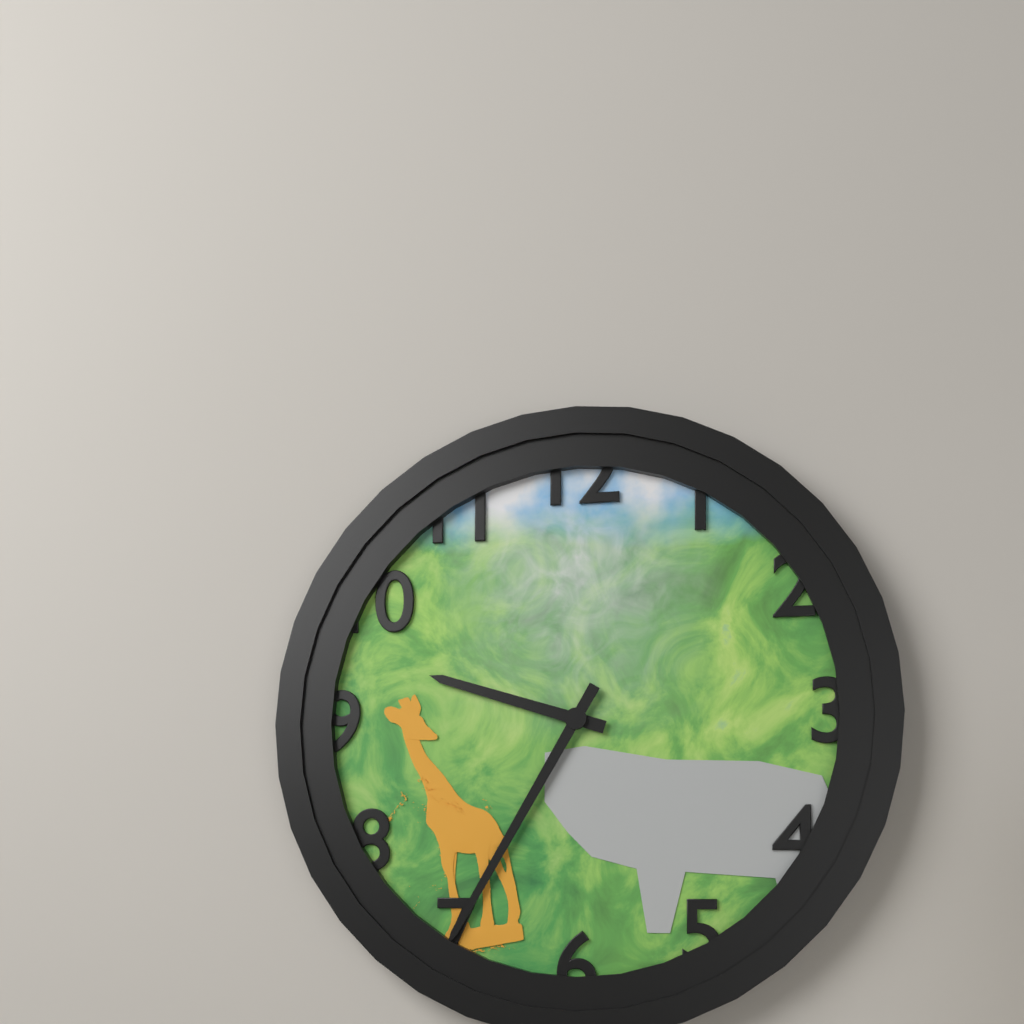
9:35
